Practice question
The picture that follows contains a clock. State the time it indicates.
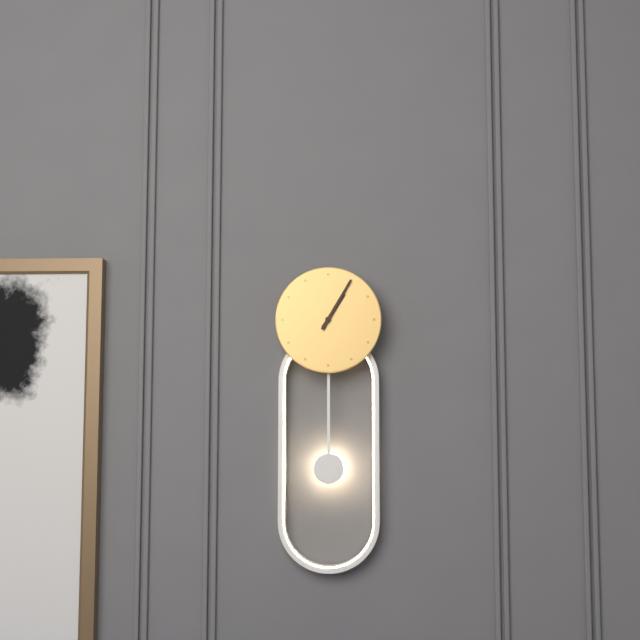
1:05
